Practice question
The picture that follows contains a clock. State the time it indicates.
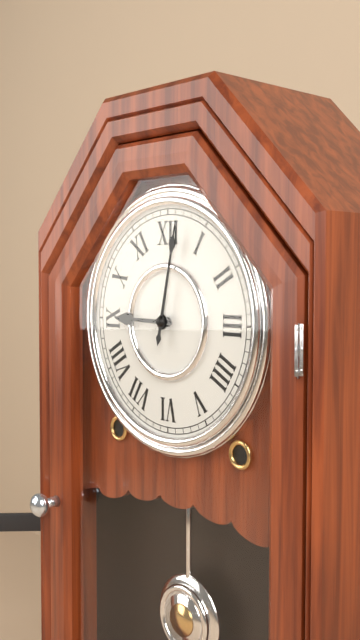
9:02
